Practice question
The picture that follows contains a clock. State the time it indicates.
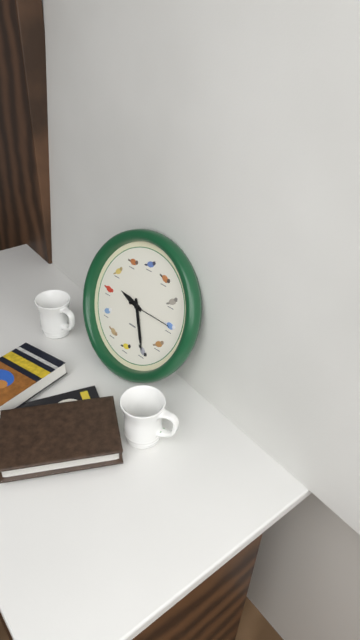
9:25
